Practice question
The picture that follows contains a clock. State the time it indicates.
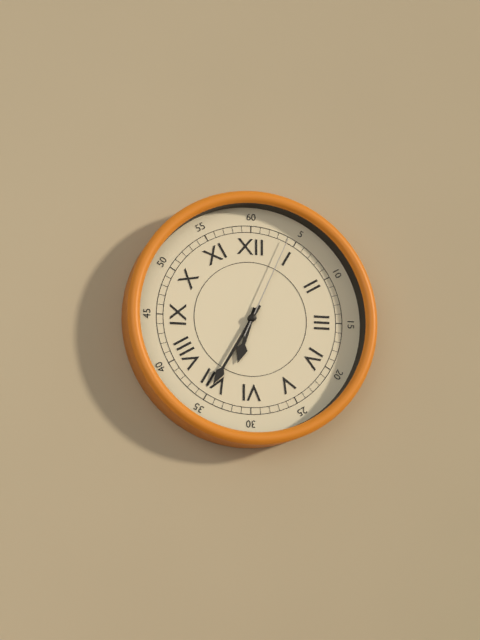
6:35:04
